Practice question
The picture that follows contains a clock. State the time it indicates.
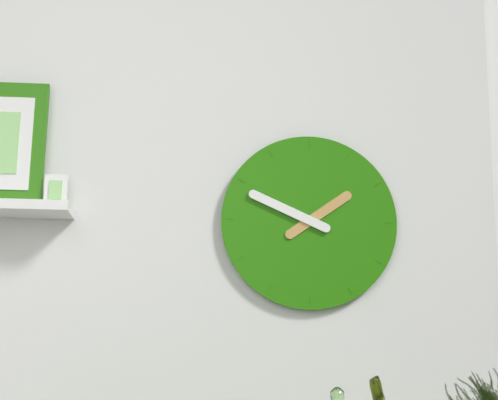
1:49
